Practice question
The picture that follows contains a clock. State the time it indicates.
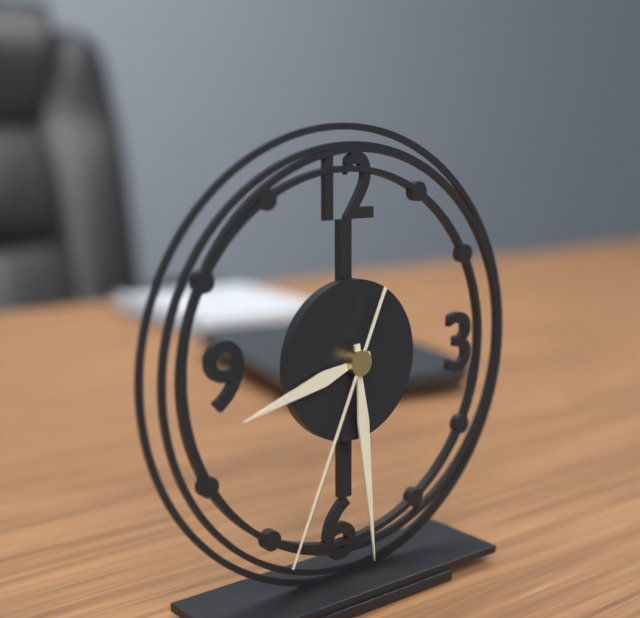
8:29:34
